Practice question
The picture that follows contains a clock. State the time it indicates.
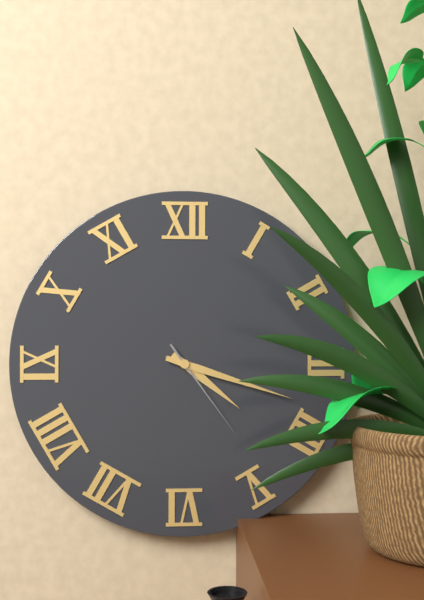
4:18:24
